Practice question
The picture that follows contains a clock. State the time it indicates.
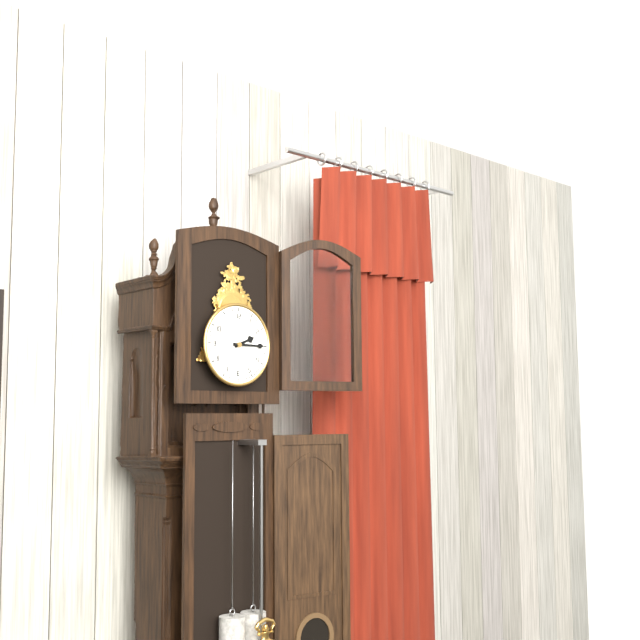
2:15
